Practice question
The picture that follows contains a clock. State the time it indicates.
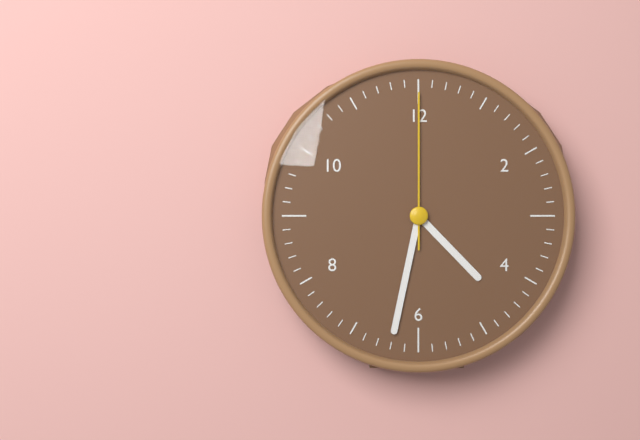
4:32:00
